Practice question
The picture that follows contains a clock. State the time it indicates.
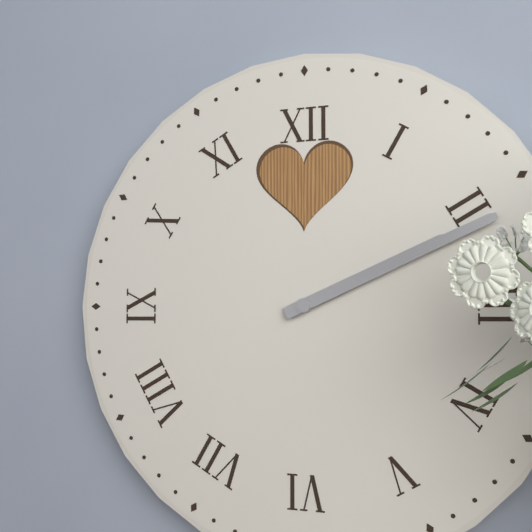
2:11
